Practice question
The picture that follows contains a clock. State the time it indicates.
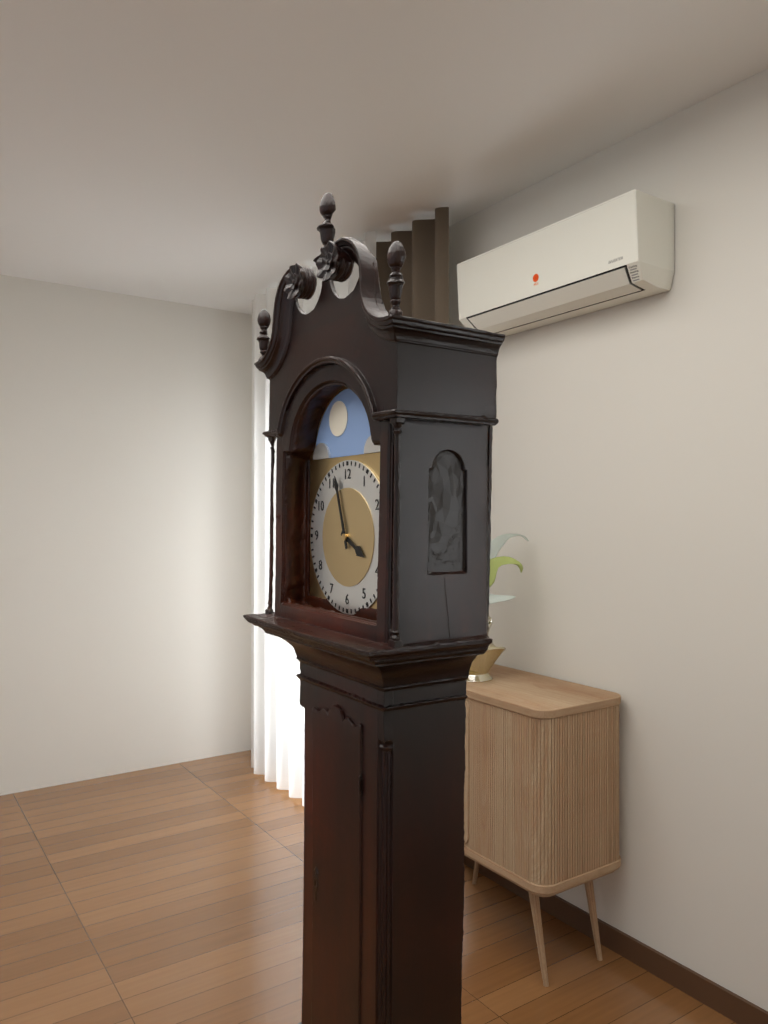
3:57
